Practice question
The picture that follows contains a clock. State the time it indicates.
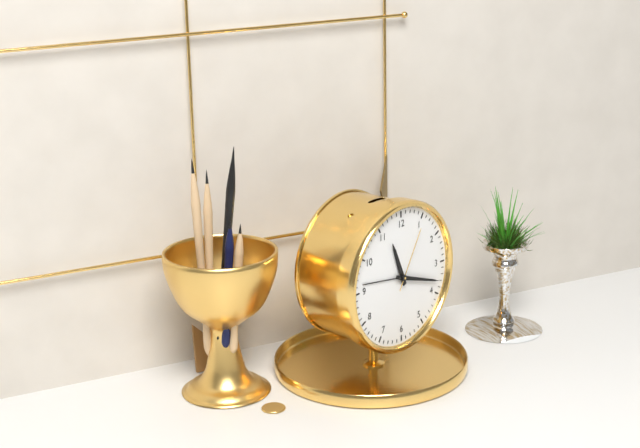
11:18:05
